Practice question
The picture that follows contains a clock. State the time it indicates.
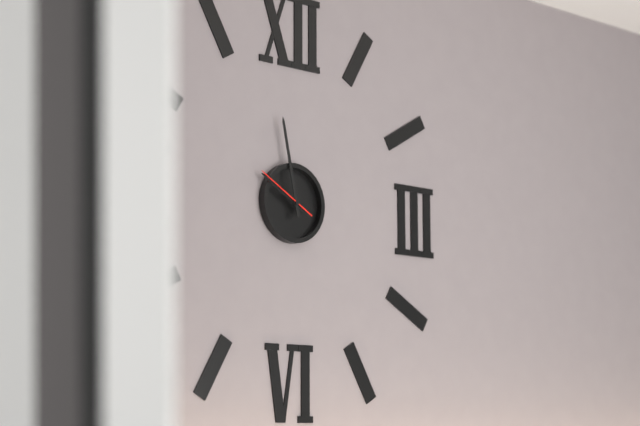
9:58:50
